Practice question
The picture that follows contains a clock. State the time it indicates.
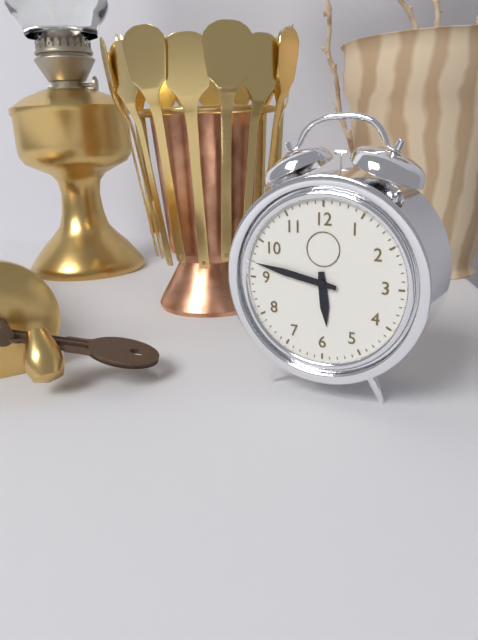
5:47
